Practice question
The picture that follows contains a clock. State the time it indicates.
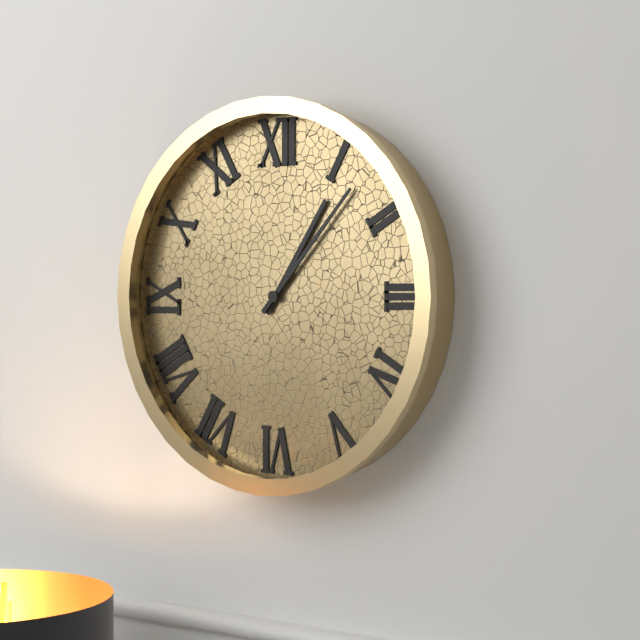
1:07
